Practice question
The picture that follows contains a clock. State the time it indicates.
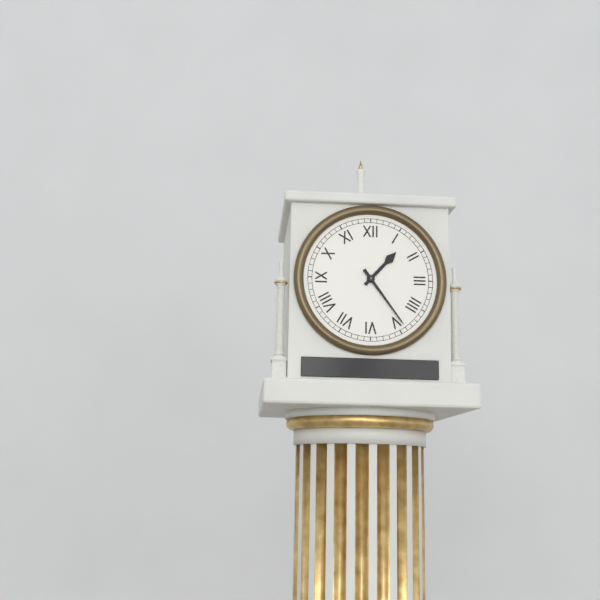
1:24
